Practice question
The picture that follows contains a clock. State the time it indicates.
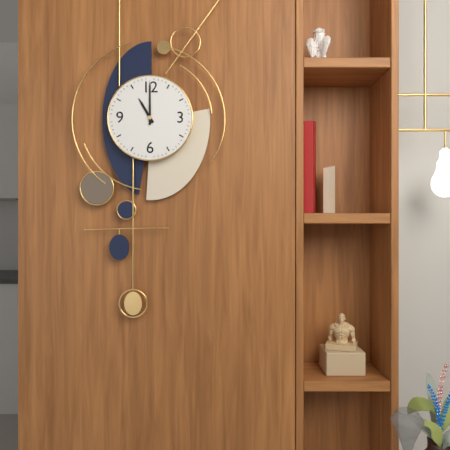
11:00
